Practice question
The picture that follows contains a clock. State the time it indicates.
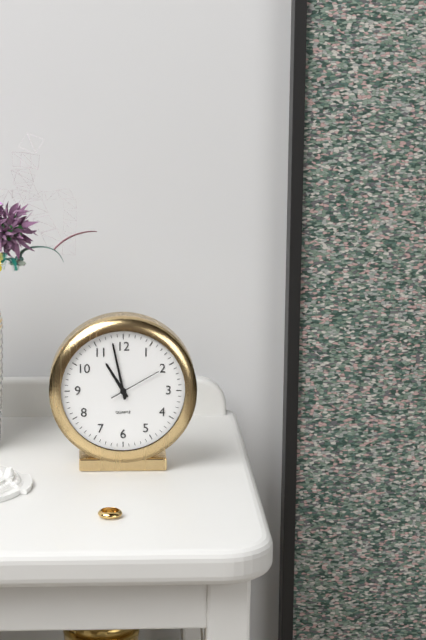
10:58:10
